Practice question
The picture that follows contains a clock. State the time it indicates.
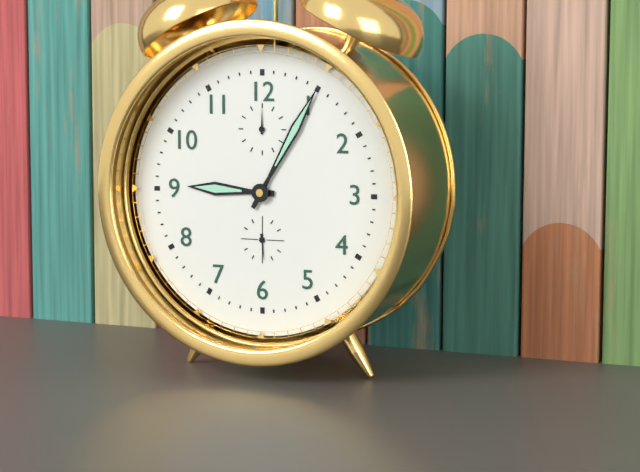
9:05
